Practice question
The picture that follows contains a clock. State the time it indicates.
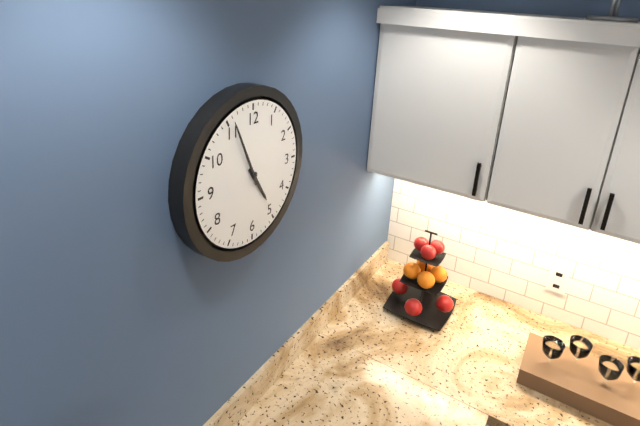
4:56
